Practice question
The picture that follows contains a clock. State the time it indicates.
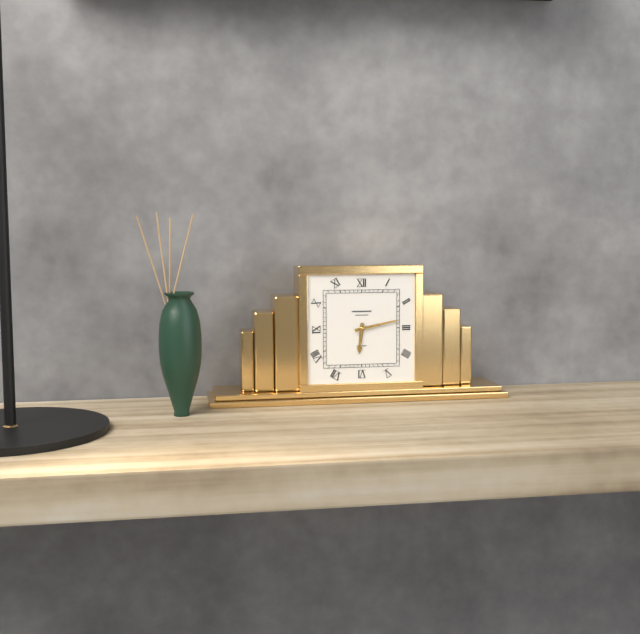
6:13
